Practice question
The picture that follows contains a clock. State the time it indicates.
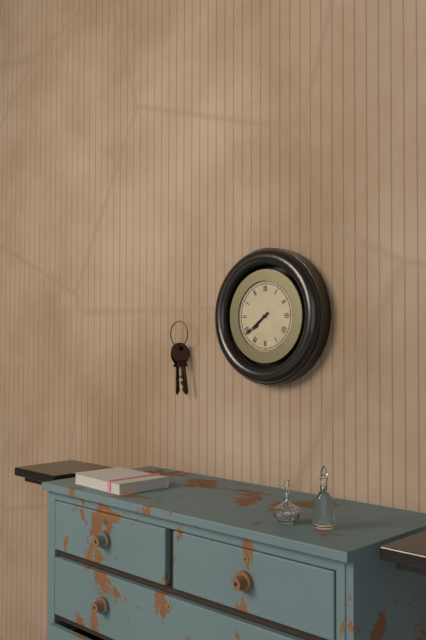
7:39
